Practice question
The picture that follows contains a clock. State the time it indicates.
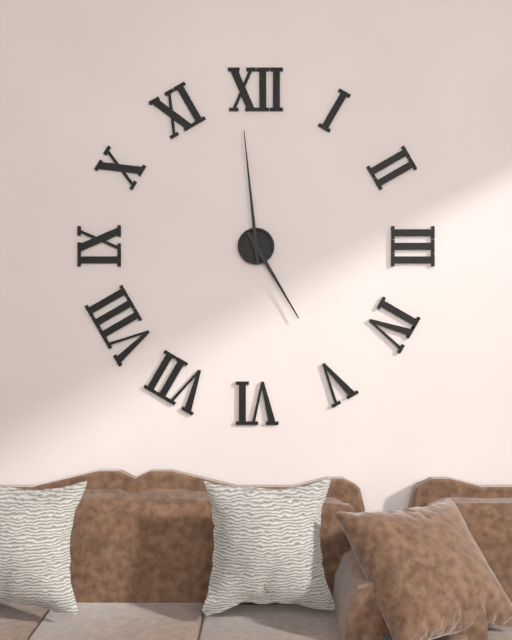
4:59
